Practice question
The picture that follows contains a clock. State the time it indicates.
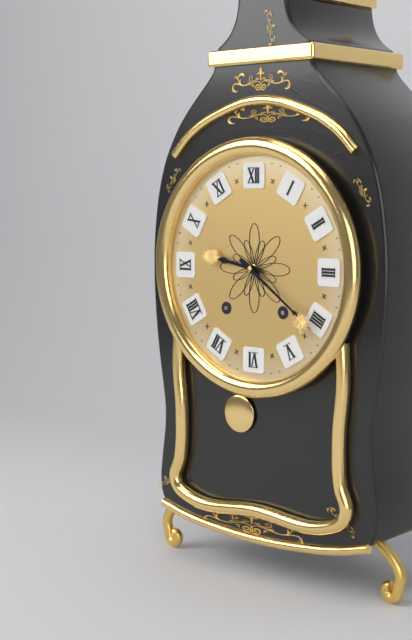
9:21
